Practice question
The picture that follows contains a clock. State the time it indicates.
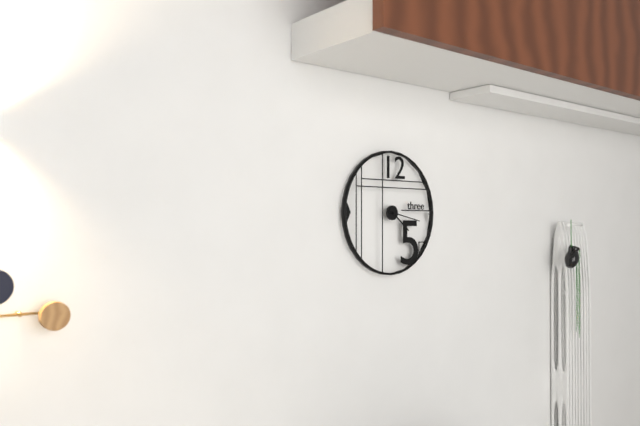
4:17
